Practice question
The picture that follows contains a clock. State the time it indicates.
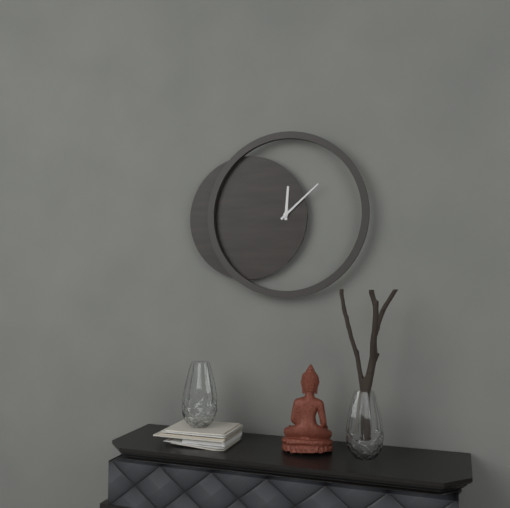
12:08
